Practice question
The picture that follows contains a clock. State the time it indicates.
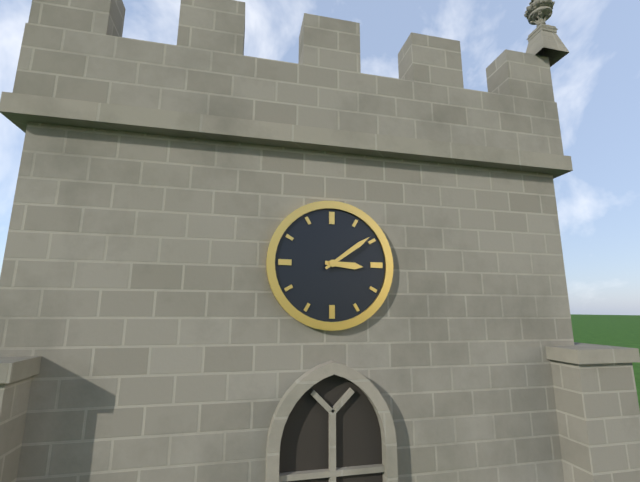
3:09
